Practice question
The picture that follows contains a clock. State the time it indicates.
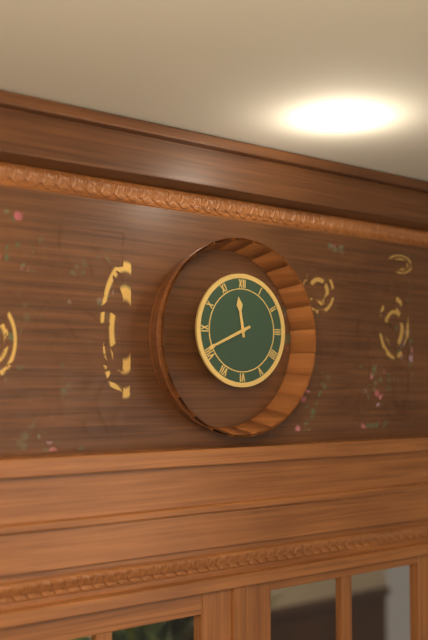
11:41
